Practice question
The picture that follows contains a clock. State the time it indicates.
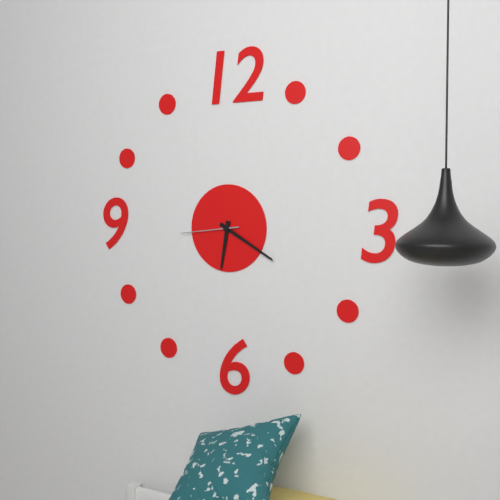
6:20:44
